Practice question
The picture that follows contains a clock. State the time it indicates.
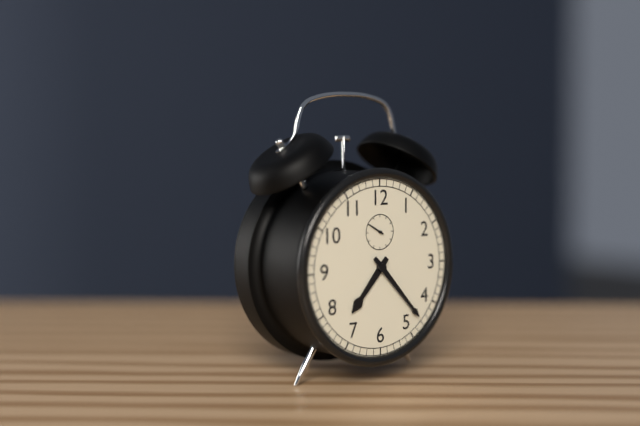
7:23
